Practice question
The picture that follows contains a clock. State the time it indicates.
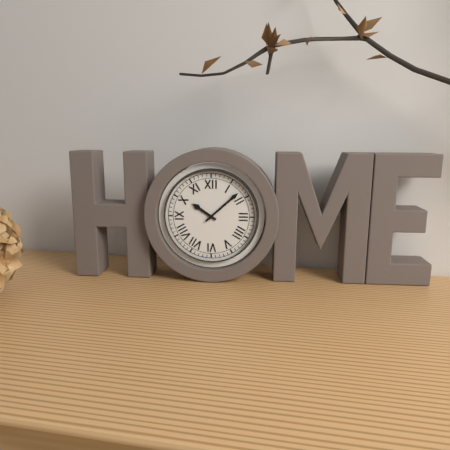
10:08
